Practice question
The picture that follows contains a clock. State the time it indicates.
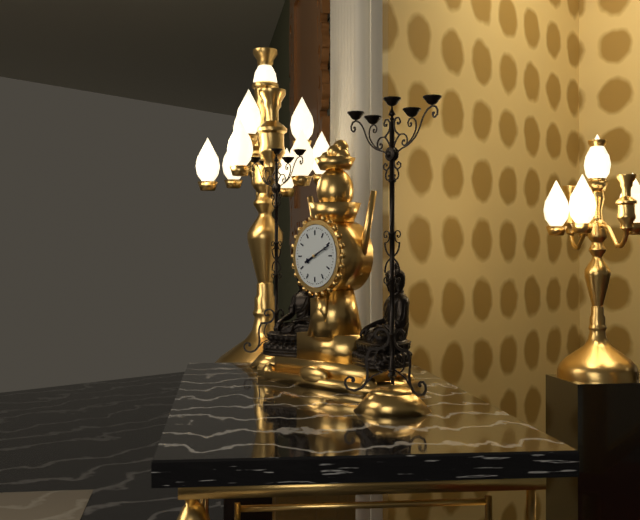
8:11
